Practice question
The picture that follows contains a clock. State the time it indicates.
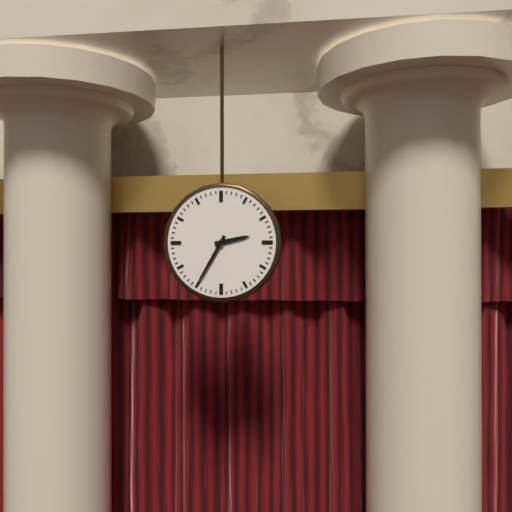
2:35
